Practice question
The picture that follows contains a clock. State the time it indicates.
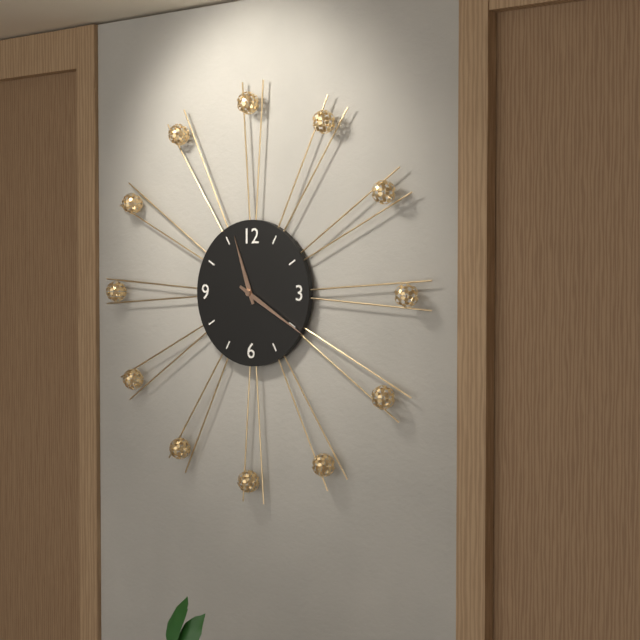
11:20
